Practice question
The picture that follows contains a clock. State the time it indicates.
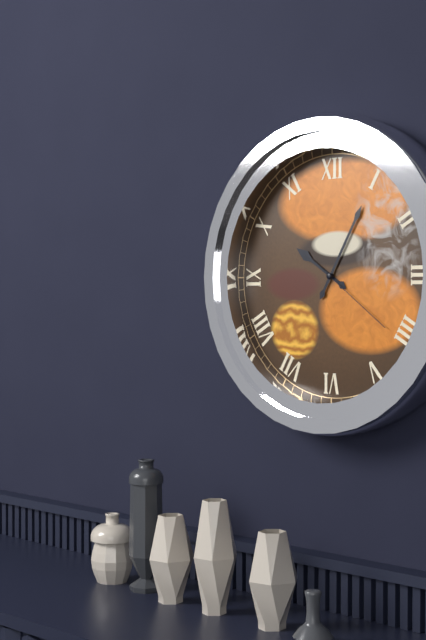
10:05:21
